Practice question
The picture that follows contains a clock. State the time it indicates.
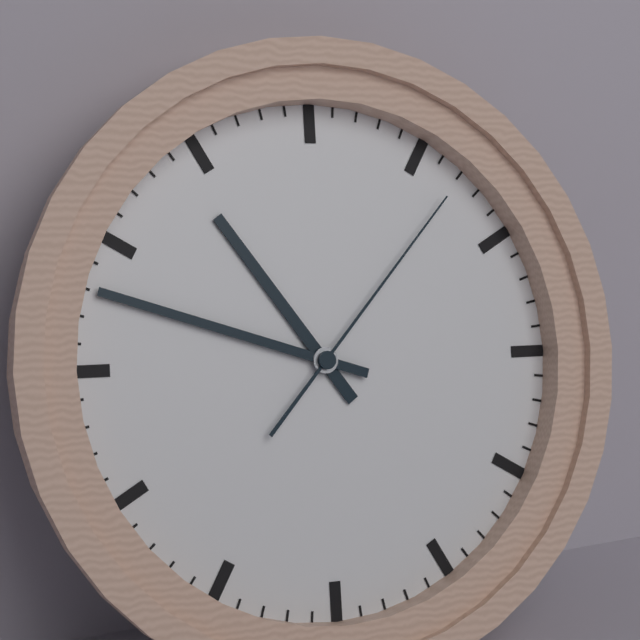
10:48:07
